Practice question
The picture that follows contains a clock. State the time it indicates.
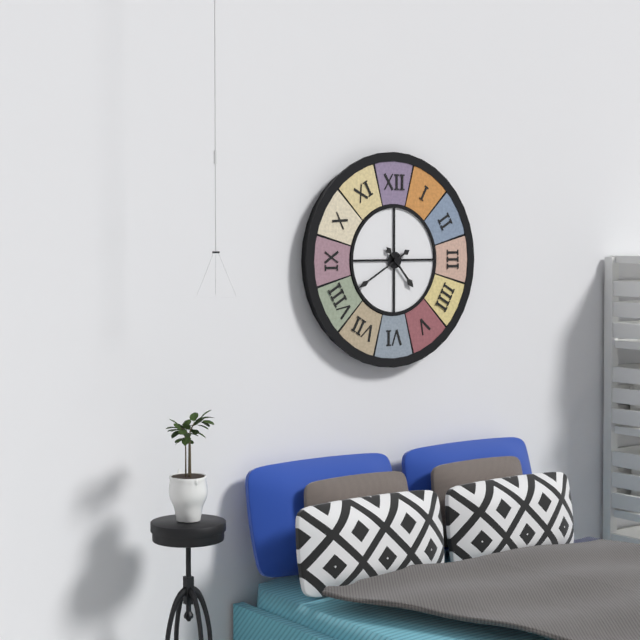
4:40
